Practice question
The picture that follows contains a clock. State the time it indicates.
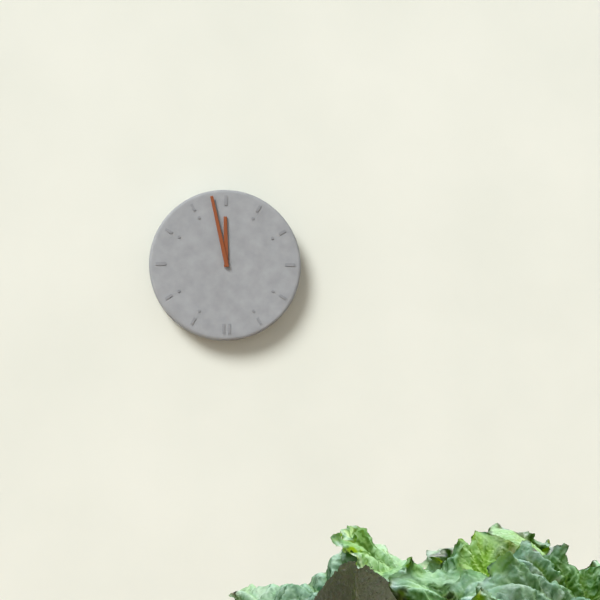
11:58
